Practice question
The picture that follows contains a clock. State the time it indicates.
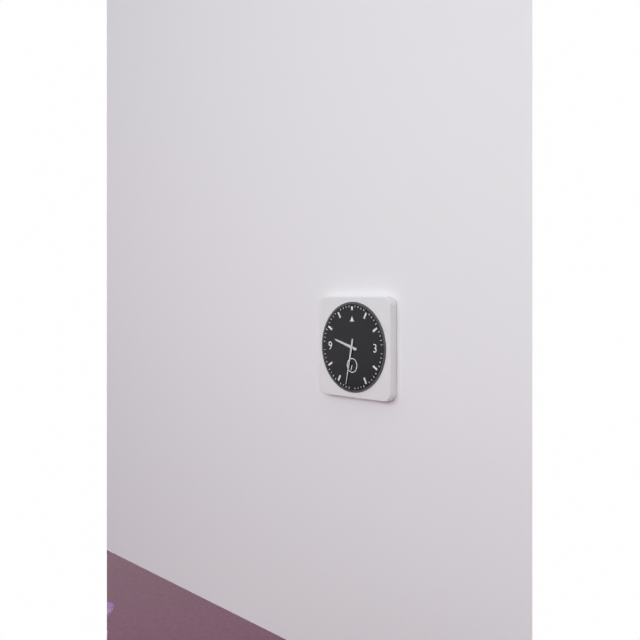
9:32
